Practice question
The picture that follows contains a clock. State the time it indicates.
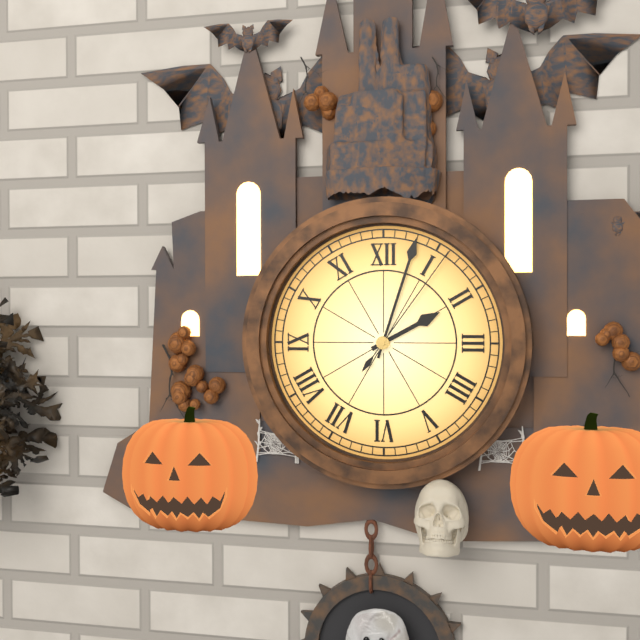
2:03:06
